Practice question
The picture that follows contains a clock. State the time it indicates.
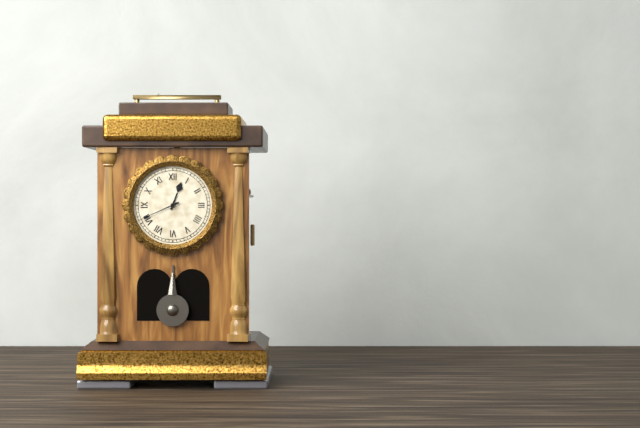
12:41
